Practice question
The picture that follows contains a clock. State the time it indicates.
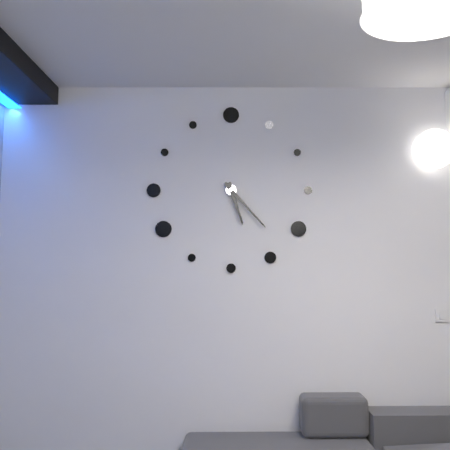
5:23
